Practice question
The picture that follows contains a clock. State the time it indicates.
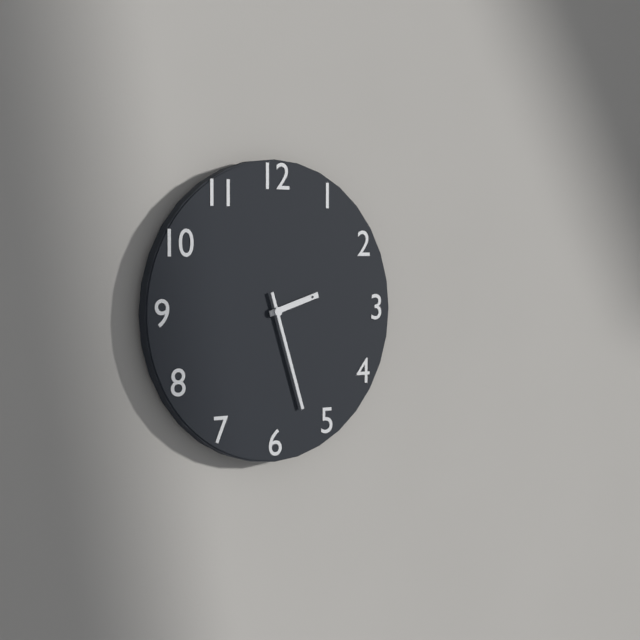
2:27
